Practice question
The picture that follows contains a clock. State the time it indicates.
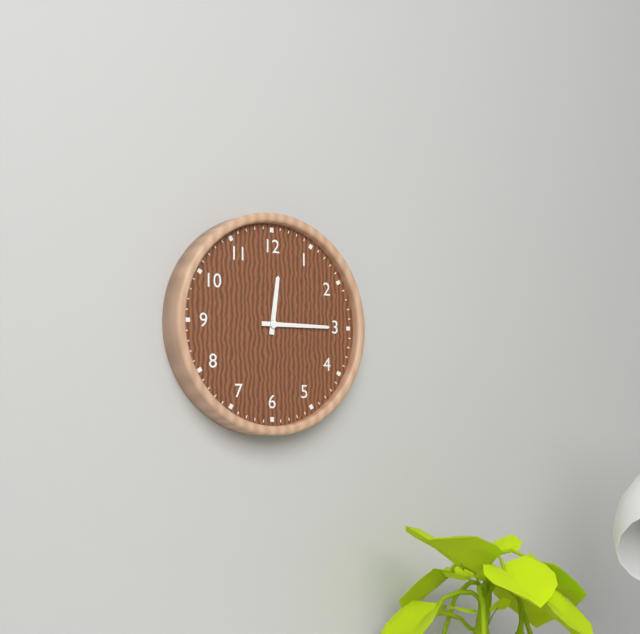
12:15
